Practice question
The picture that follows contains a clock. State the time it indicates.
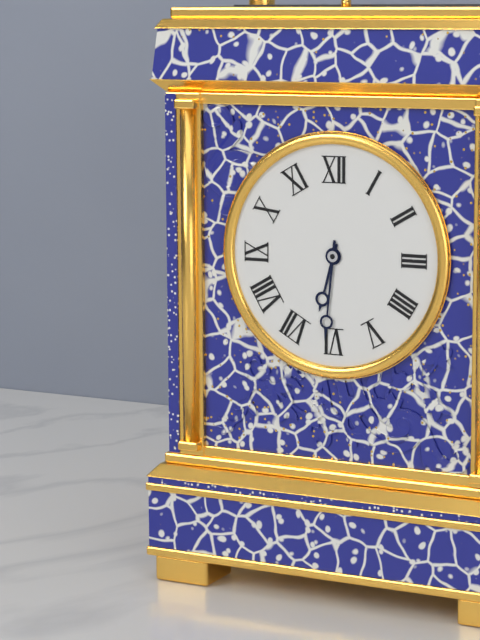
6:31
